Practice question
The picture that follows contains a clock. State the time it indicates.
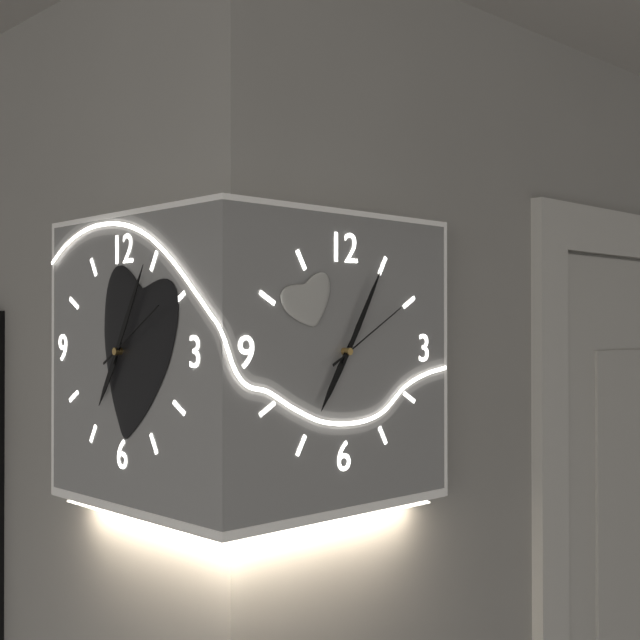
7:05:10
